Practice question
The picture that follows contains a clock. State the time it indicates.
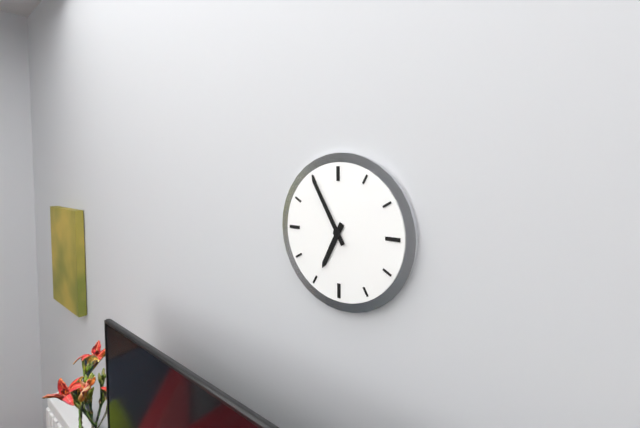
6:55
